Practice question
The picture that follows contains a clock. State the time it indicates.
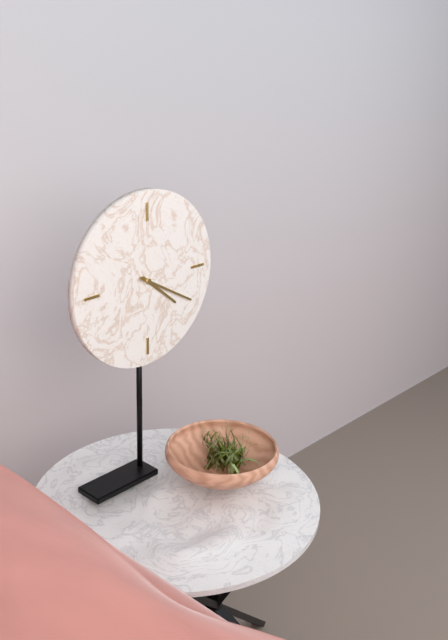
4:20
